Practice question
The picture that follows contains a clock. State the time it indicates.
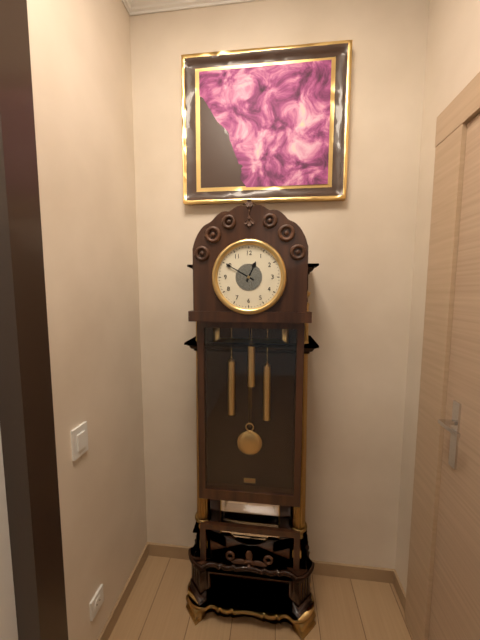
12:50
